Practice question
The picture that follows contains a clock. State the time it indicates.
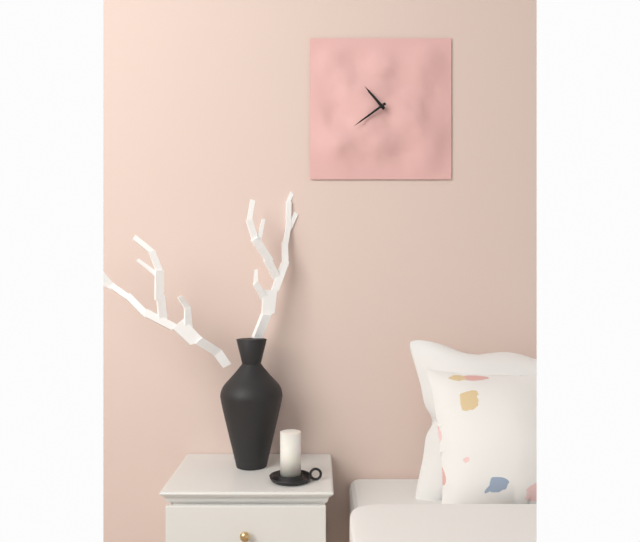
10:39
